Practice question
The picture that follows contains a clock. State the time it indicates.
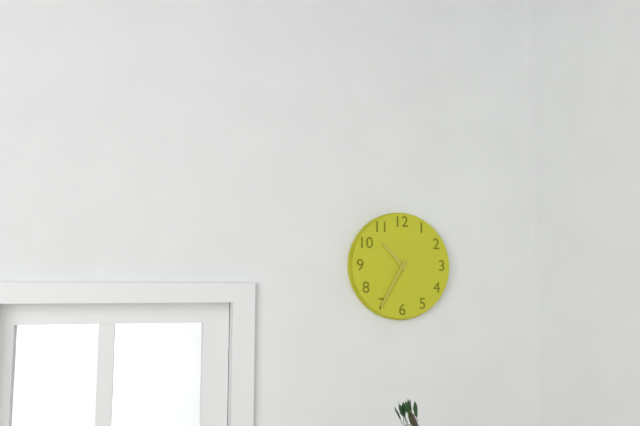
10:35
